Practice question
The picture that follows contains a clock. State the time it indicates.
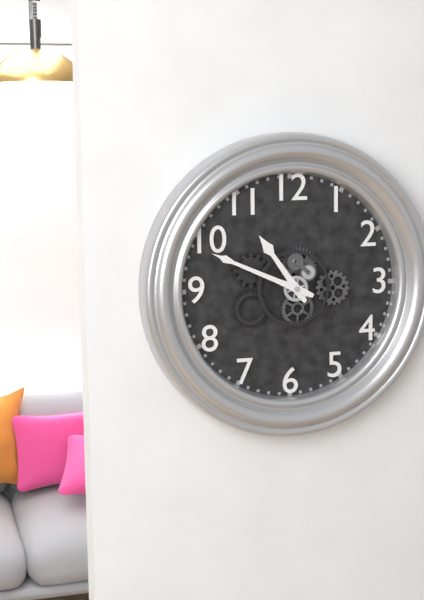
10:49
